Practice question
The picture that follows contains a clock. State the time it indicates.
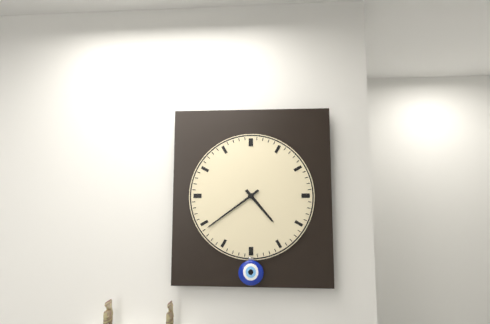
4:39
